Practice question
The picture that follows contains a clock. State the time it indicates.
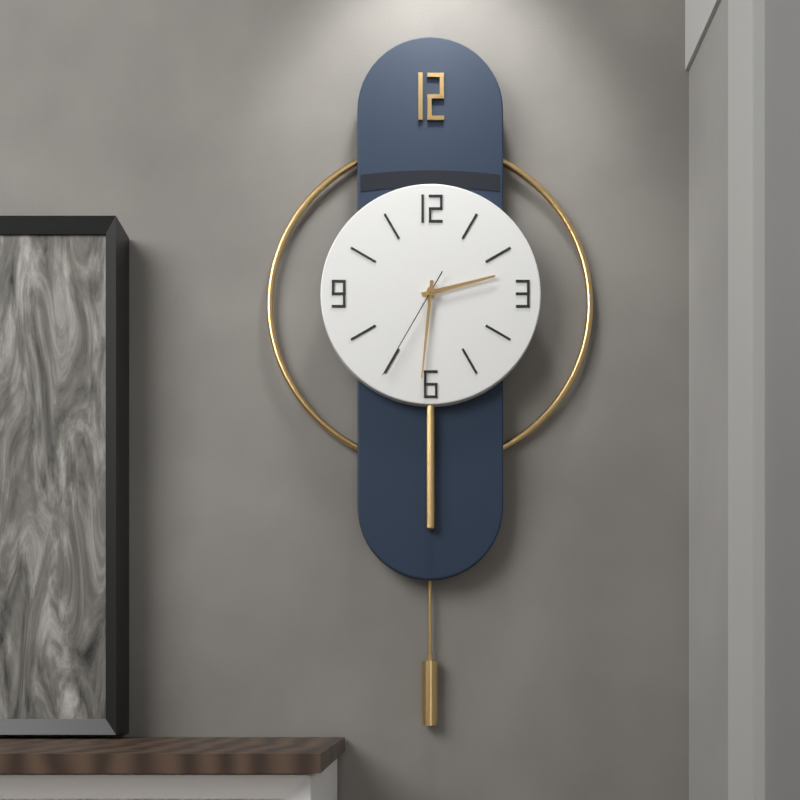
2:31:35
